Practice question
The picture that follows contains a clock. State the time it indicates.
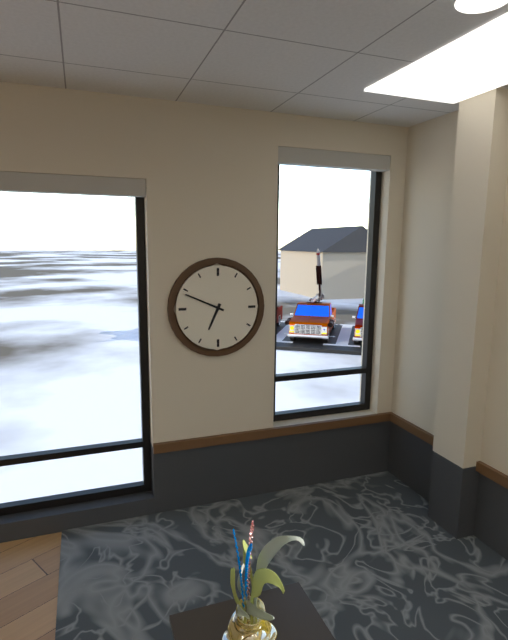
6:49
